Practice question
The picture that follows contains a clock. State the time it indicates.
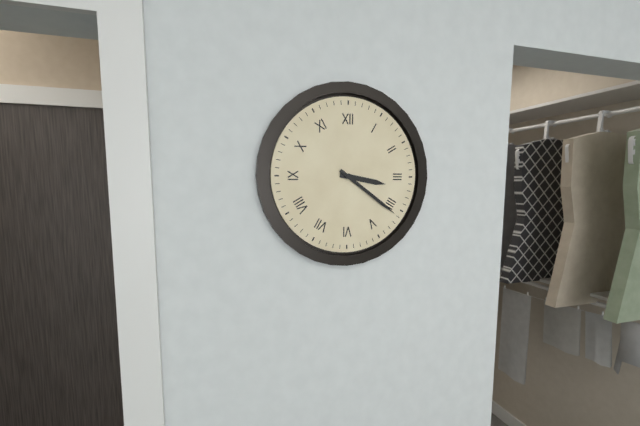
3:21
